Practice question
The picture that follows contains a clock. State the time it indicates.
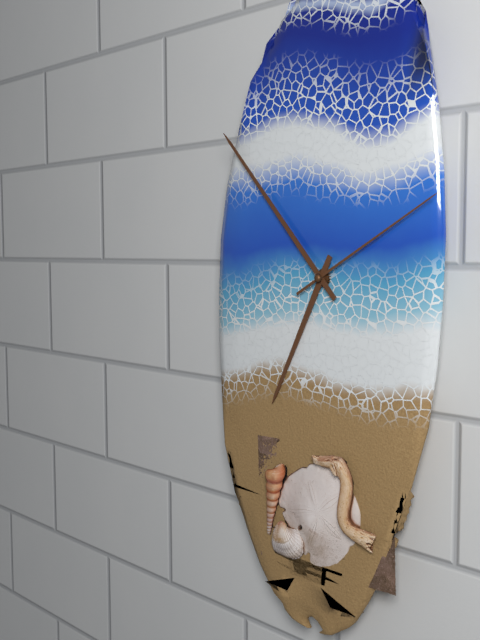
6:53:10
